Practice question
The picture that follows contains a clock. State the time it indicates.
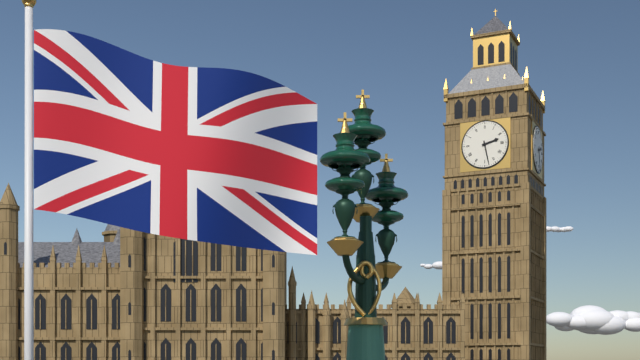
2:28
